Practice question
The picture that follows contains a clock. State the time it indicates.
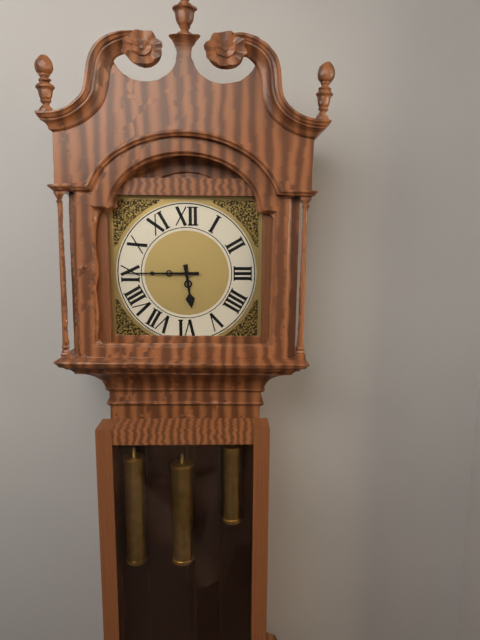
5:45
